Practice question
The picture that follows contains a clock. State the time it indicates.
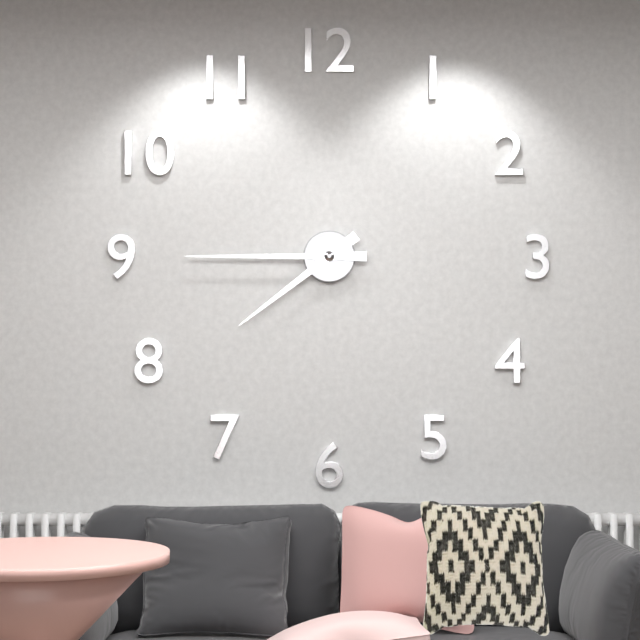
7:45
